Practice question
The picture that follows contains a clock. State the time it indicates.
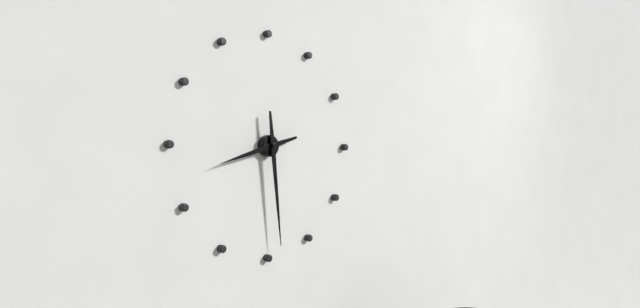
8:29
